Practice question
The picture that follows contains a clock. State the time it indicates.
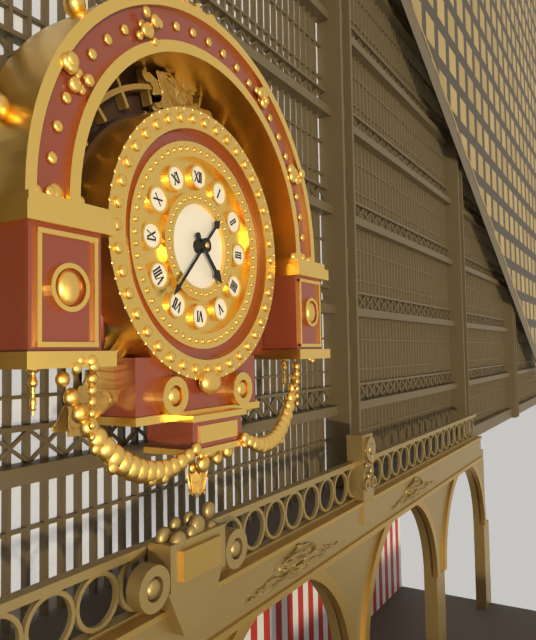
4:37
